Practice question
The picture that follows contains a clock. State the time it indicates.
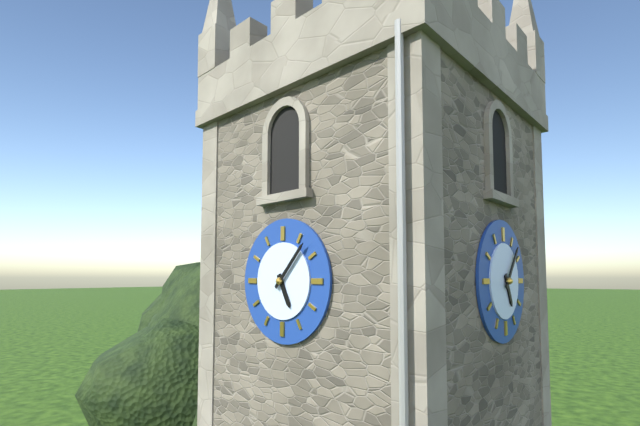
5:07
